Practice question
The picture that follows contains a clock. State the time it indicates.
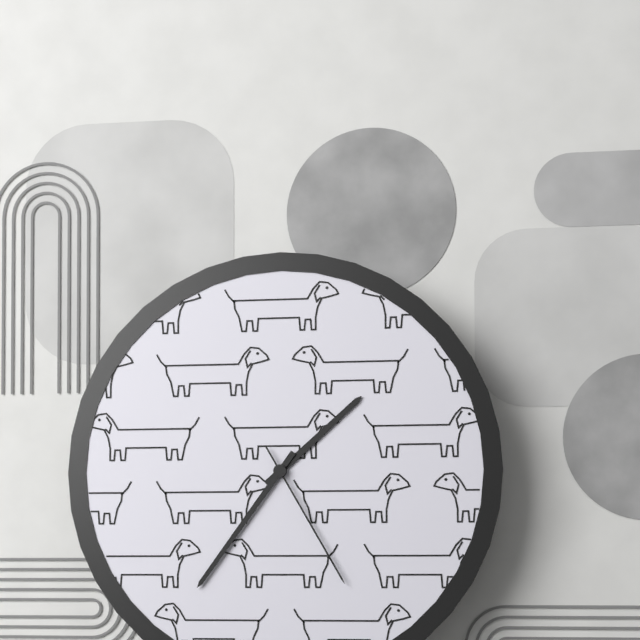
1:36:25
